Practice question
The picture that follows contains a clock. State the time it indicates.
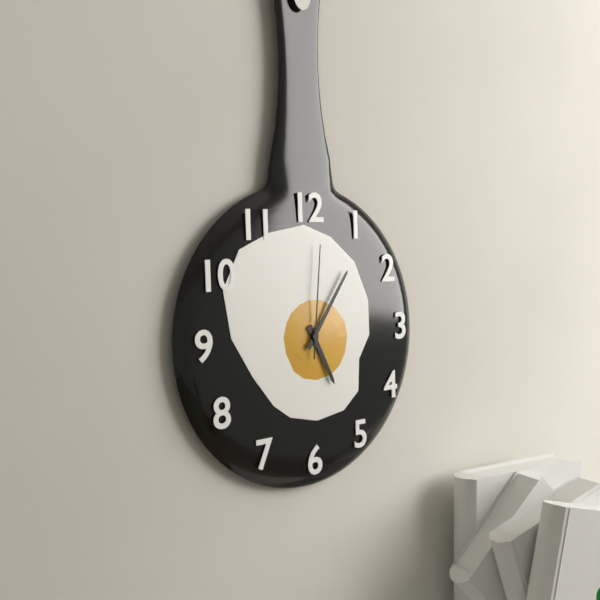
5:06:01
